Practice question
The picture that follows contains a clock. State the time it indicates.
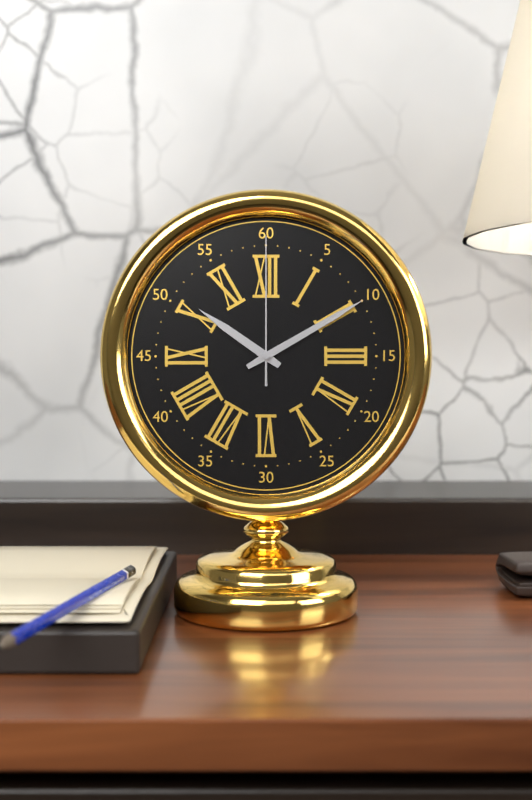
10:10:00
